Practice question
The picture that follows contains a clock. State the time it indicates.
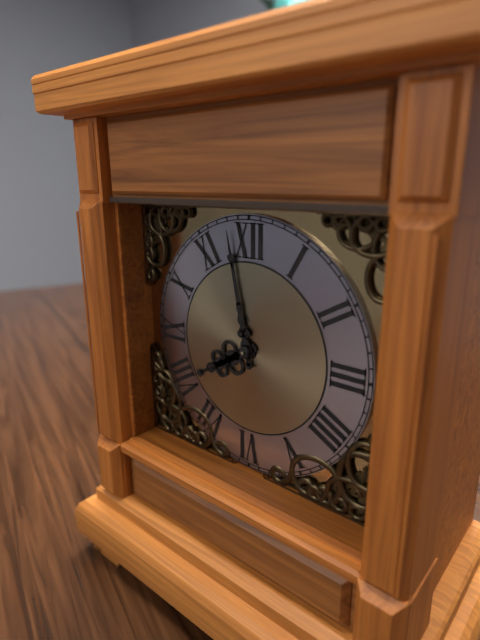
7:58
